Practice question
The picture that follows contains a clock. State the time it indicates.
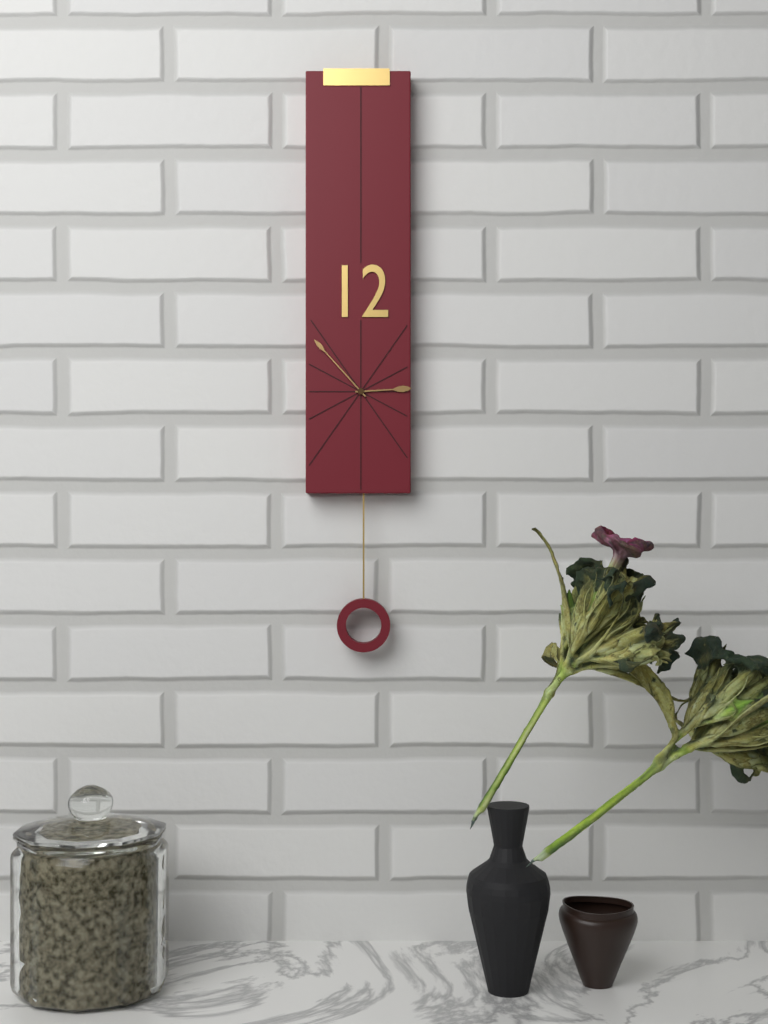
2:53
